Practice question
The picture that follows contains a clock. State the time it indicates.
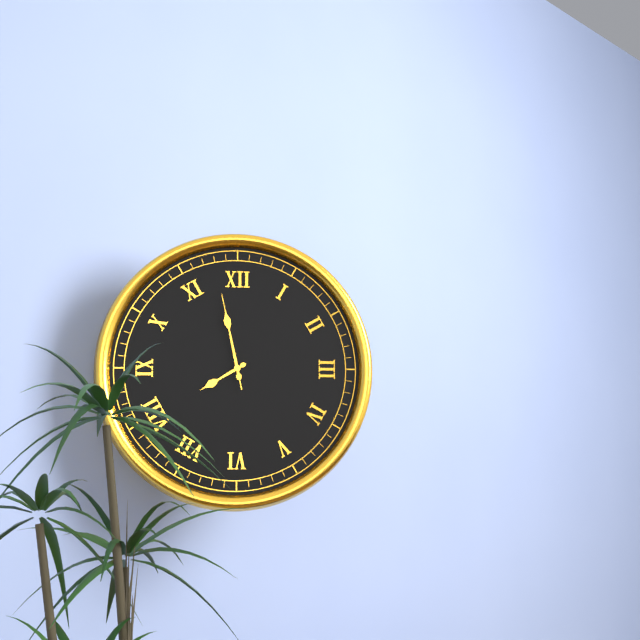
7:58:58
